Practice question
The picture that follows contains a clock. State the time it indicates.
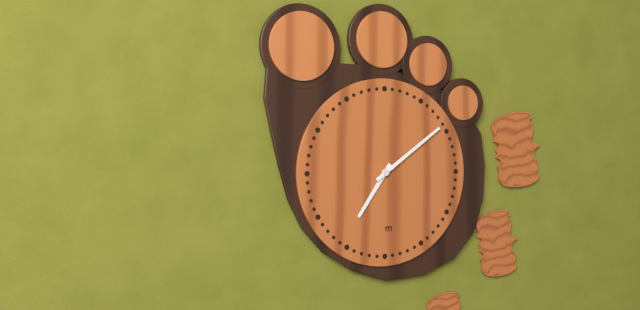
7:09
